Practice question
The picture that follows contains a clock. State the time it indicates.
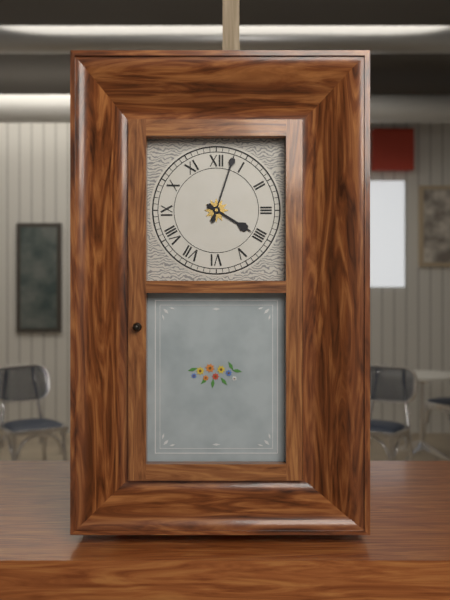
4:03
